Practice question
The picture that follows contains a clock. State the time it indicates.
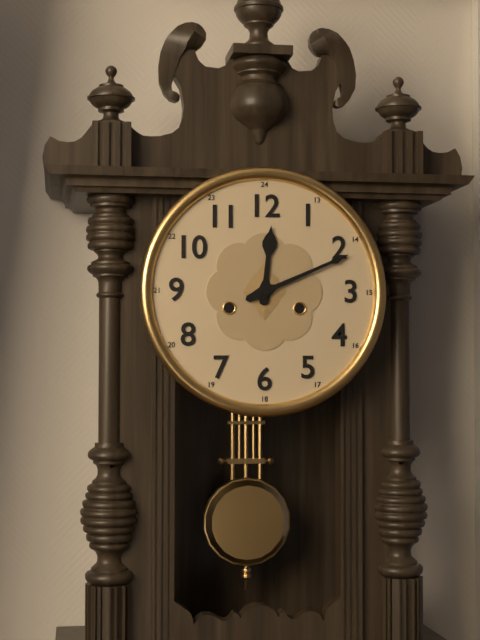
12:11
